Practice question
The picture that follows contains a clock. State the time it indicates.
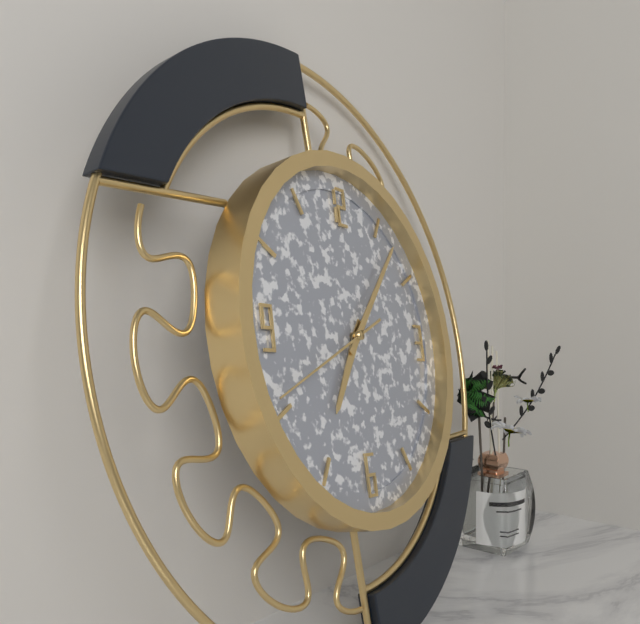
7:07:41
